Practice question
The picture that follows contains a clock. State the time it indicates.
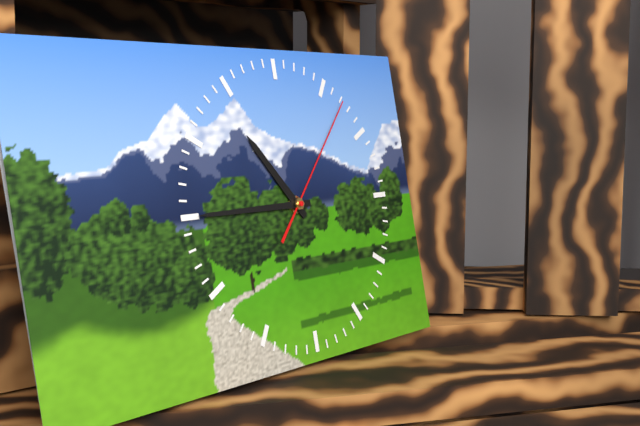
10:45:07
